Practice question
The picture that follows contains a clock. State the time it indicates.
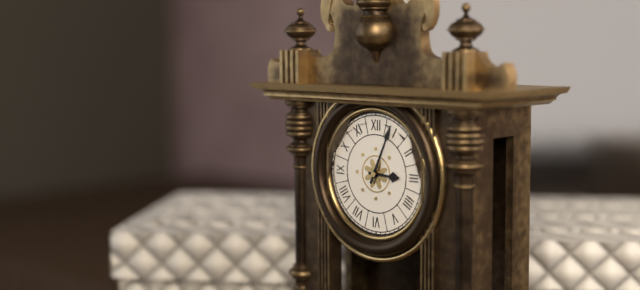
3:04
